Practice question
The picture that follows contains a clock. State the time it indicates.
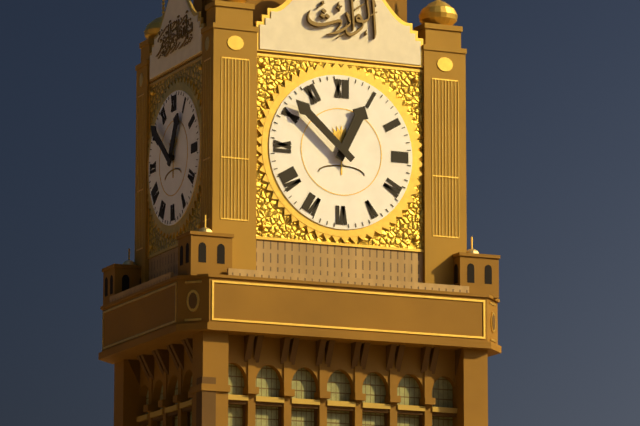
12:52
